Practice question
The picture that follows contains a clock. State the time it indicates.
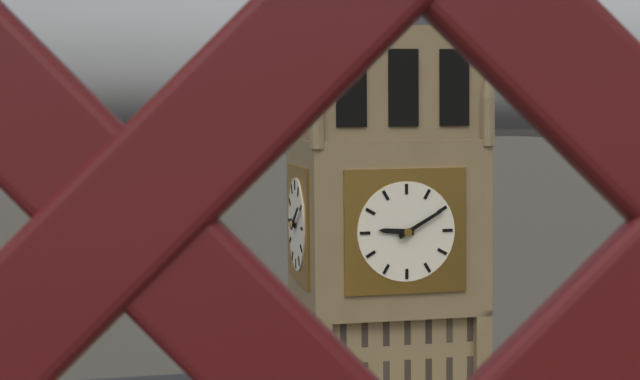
9:10
